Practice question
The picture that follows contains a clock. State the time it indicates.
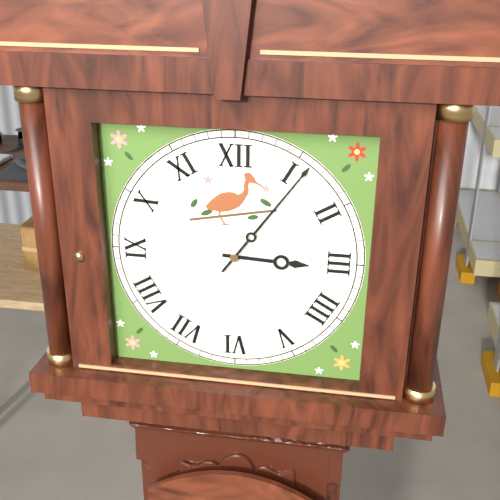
3:06
